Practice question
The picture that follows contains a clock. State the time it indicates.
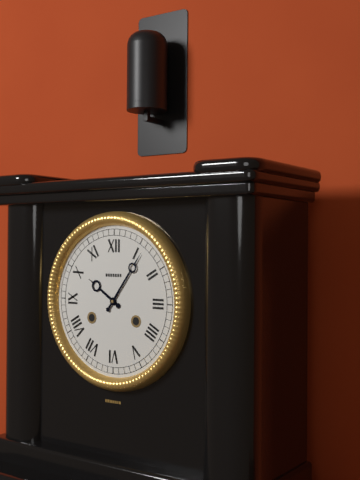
10:06
